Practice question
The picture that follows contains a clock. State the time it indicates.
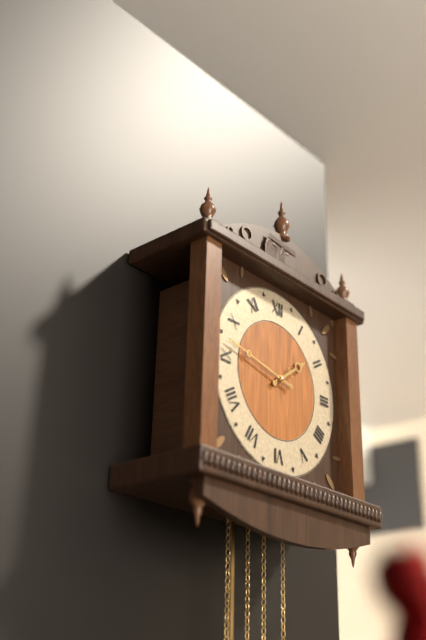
1:47
